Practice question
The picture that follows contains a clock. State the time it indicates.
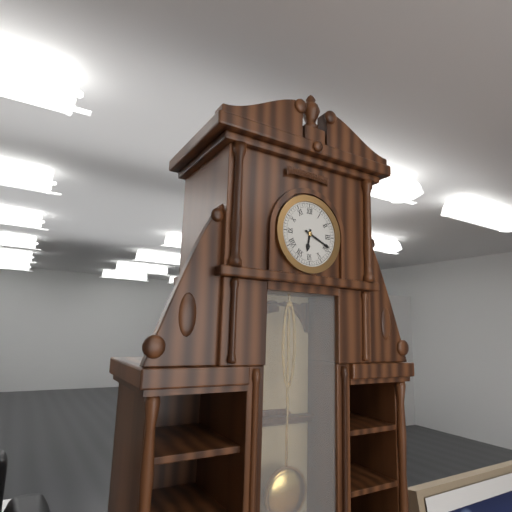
6:19
